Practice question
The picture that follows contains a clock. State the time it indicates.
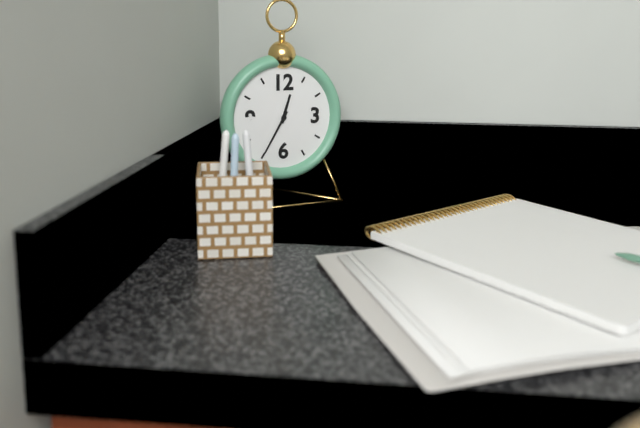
12:35
